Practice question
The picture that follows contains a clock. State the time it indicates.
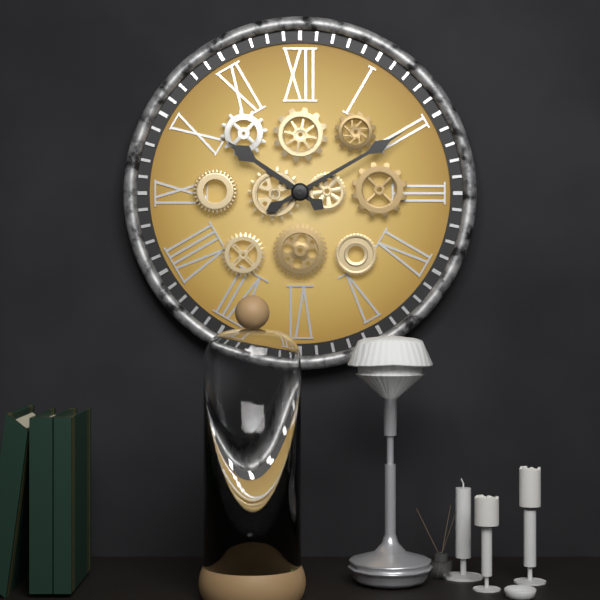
10:10
